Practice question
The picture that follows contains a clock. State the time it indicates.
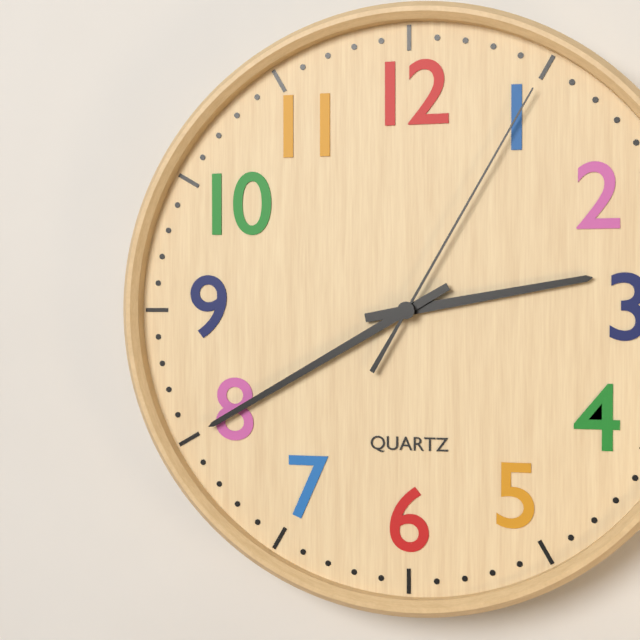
2:40:05
